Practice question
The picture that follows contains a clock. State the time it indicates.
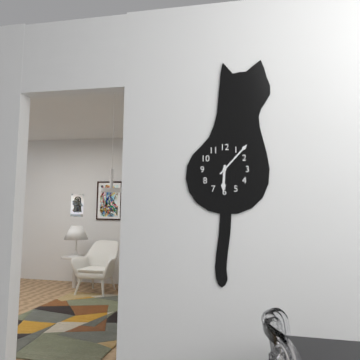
6:07
